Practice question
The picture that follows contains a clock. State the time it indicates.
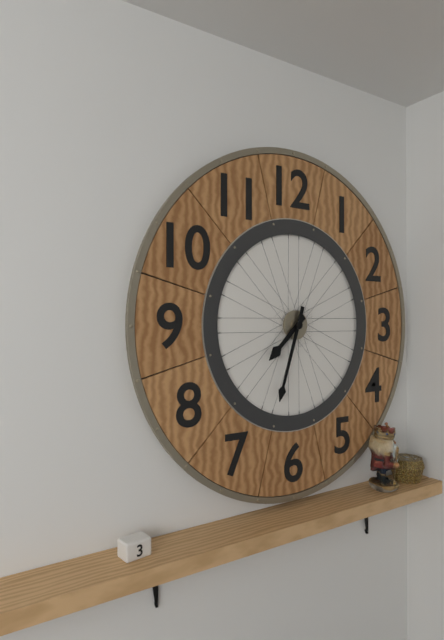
7:33
